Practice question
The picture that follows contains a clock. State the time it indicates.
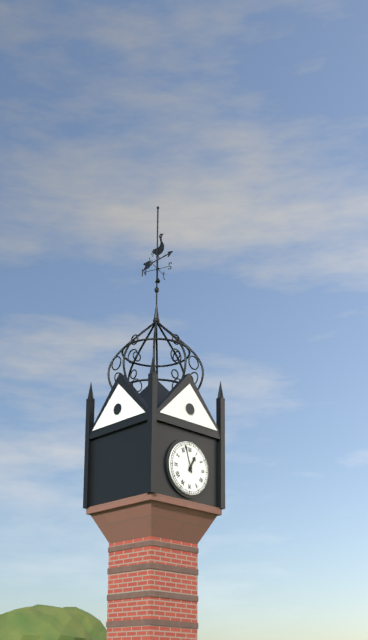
12:57
